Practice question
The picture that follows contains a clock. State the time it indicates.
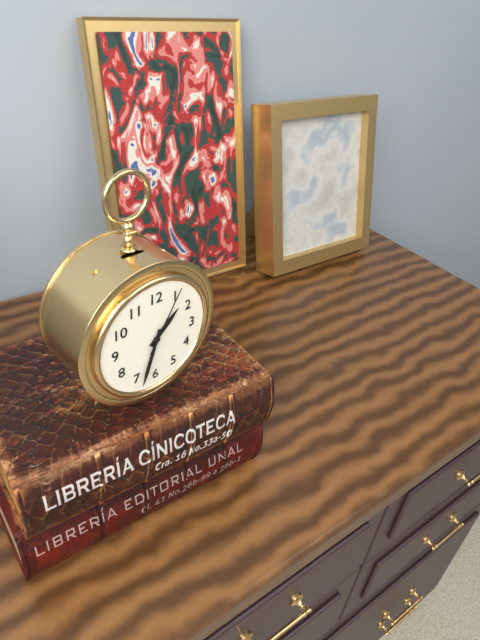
1:33:05
